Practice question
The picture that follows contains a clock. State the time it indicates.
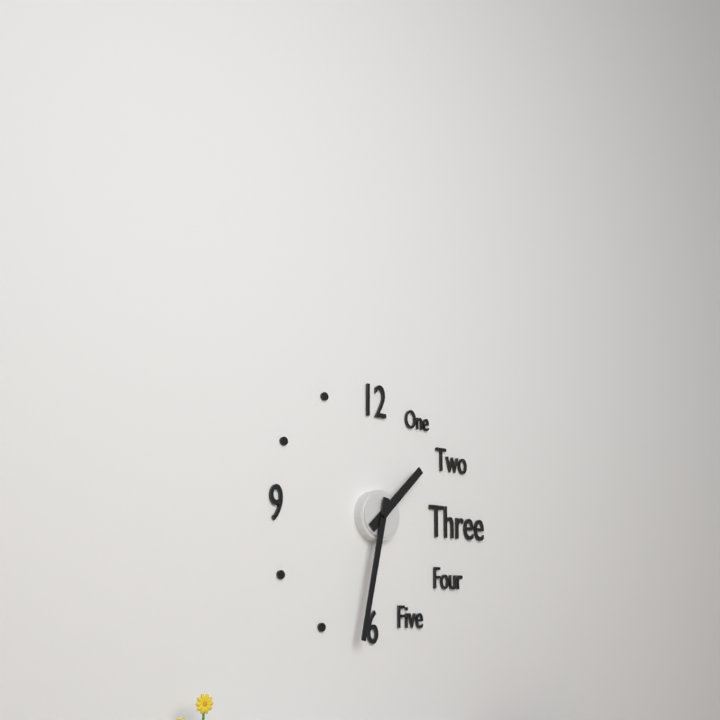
1:32
